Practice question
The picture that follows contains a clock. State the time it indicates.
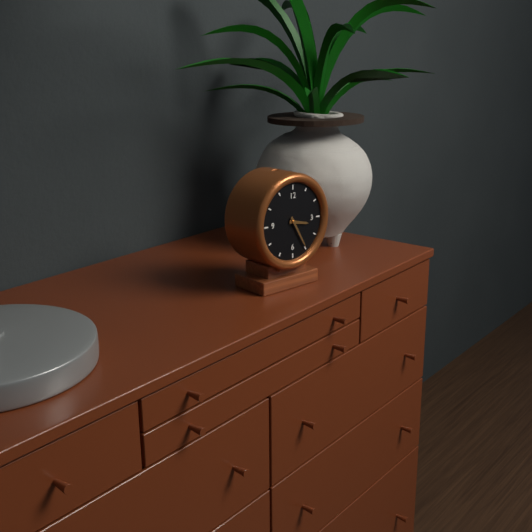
3:25
